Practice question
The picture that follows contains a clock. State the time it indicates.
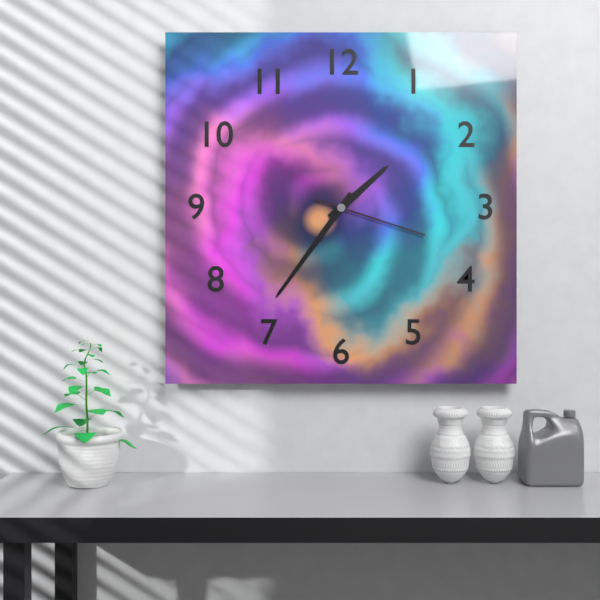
1:36:18
